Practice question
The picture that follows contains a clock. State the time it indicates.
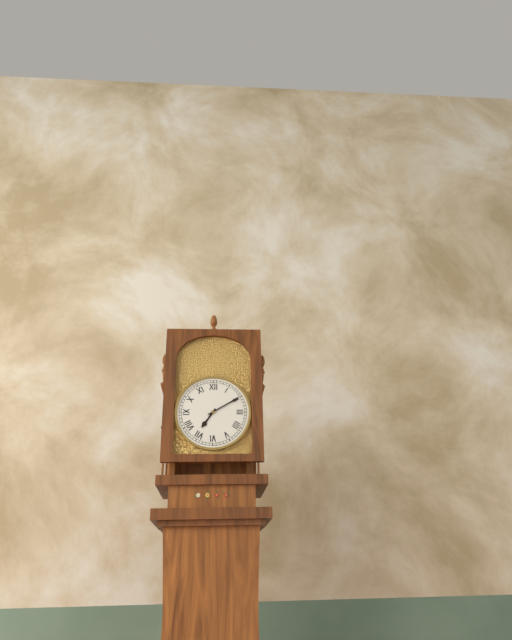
7:10
